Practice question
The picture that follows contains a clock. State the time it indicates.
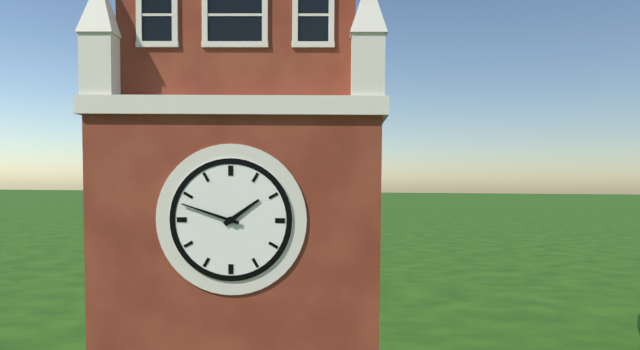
1:48
